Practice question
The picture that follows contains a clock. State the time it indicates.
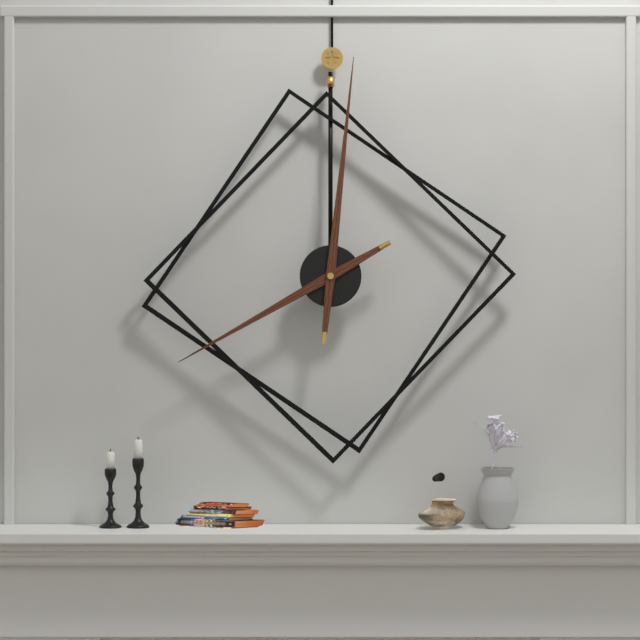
8:01
